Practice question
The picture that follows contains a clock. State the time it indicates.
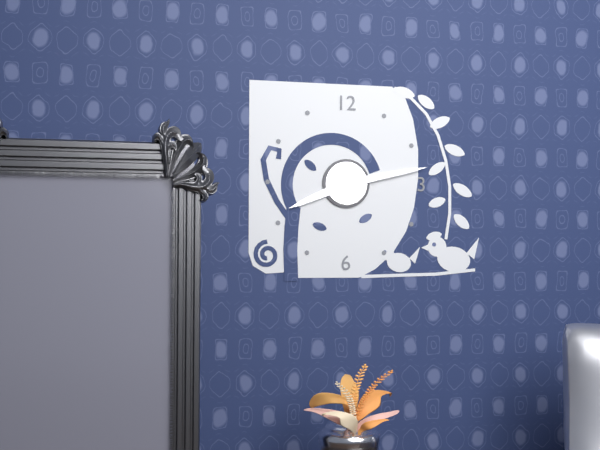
8:13
